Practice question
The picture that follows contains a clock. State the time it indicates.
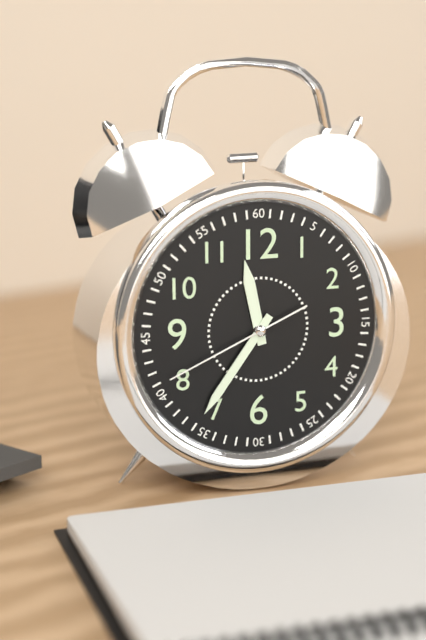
11:36:41
